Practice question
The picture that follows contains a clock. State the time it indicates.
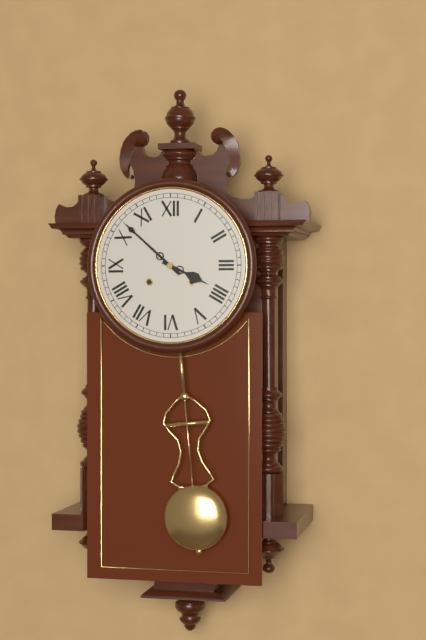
3:52
